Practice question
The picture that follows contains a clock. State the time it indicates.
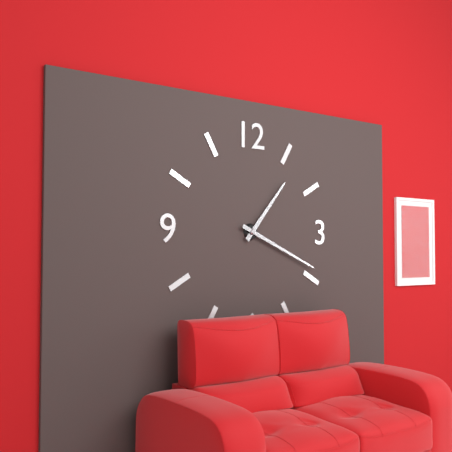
1:19
